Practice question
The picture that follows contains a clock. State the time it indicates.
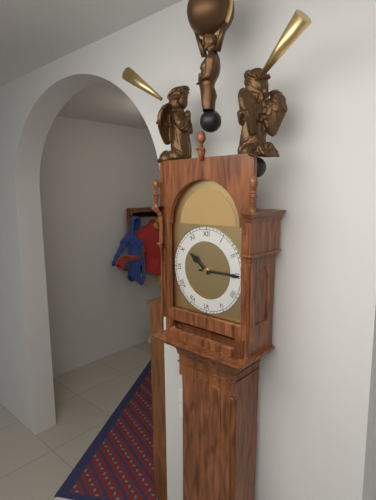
10:15
